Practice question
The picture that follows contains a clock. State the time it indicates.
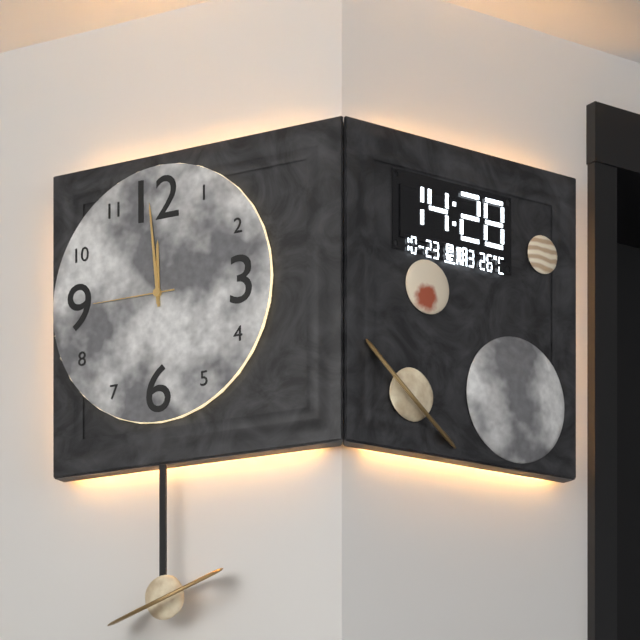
11:59:45
